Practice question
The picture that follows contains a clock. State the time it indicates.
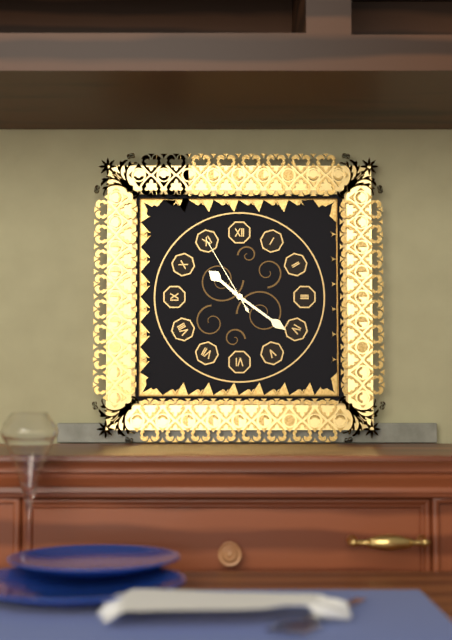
10:21:55
